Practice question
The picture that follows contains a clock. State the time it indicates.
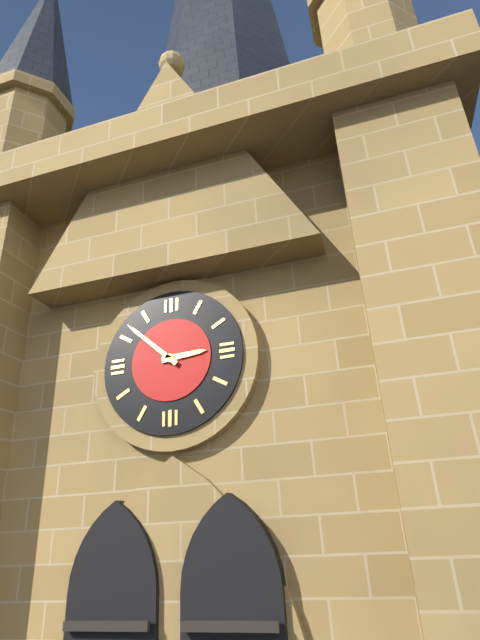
2:52
